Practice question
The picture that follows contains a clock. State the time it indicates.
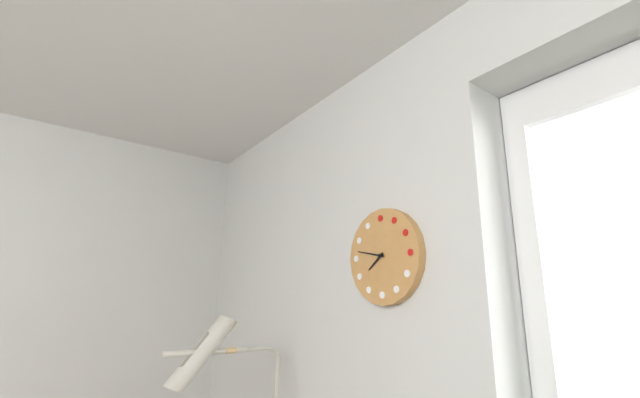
7:47
